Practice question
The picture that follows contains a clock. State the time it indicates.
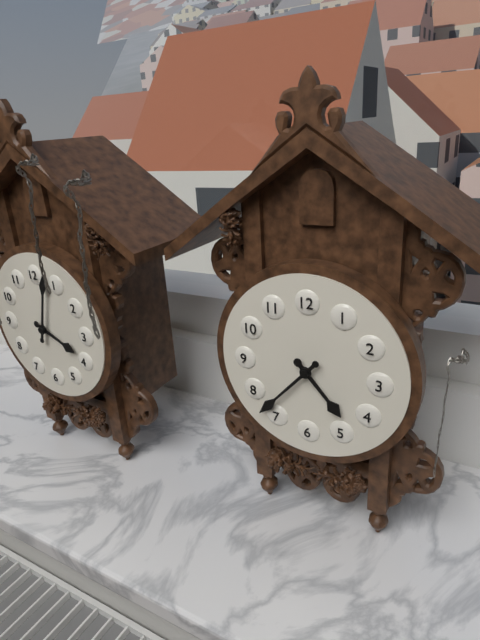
4:37
